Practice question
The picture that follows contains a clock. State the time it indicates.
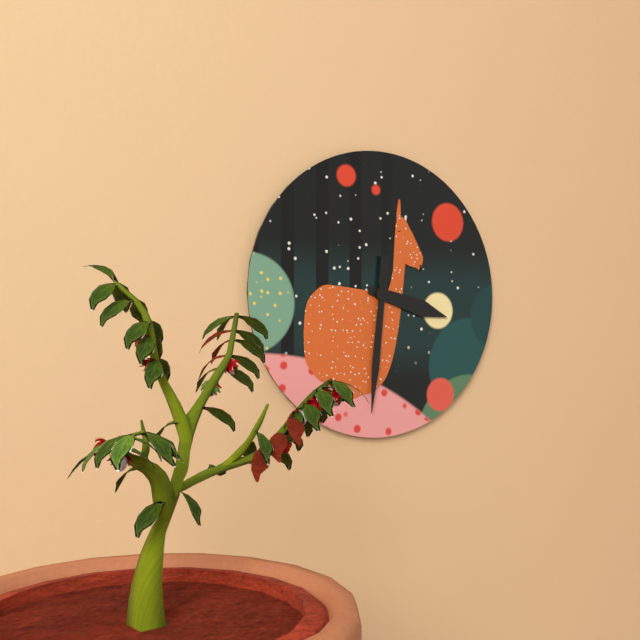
3:31
